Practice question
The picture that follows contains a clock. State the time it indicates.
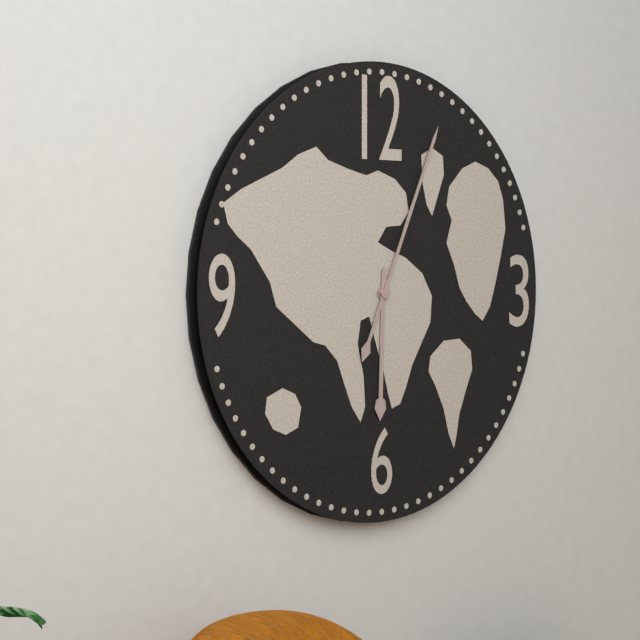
6:04
